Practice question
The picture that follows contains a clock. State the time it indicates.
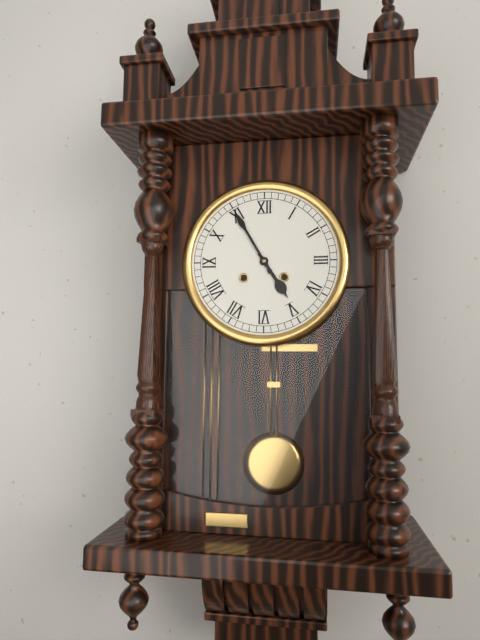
4:55
